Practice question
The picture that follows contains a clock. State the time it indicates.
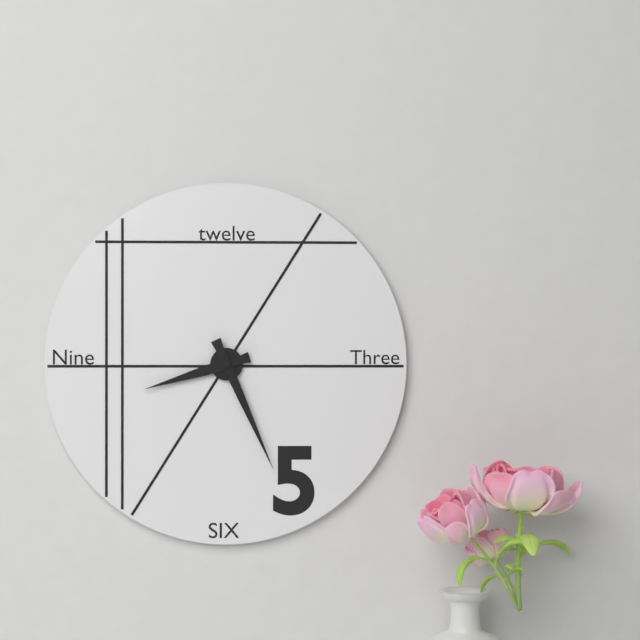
8:26
